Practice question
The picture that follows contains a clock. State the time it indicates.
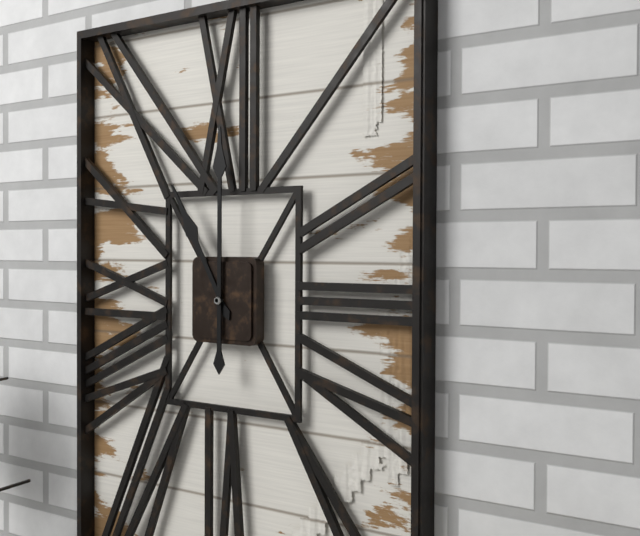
11:00
